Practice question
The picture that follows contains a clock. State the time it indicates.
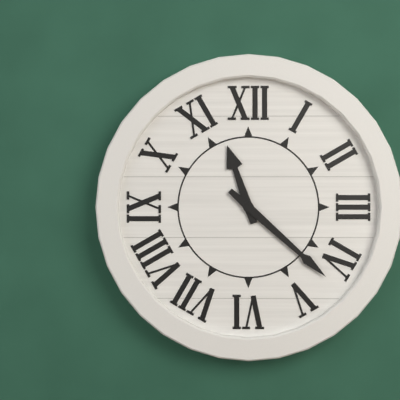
11:22
